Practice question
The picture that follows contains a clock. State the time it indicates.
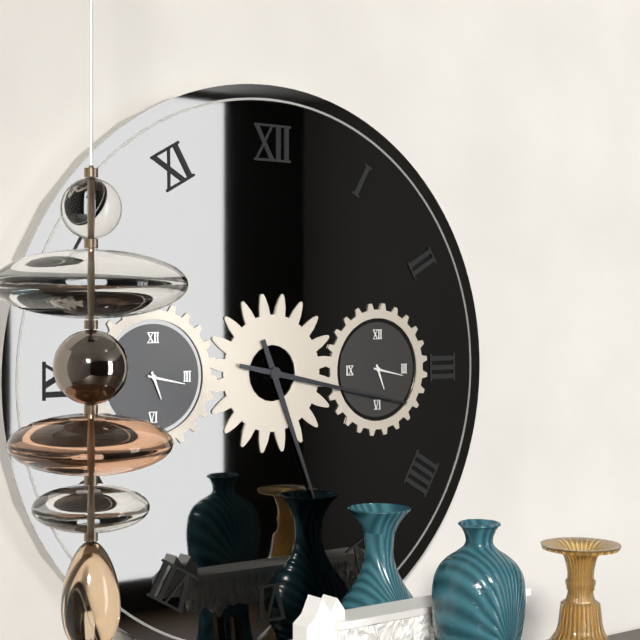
5:17
